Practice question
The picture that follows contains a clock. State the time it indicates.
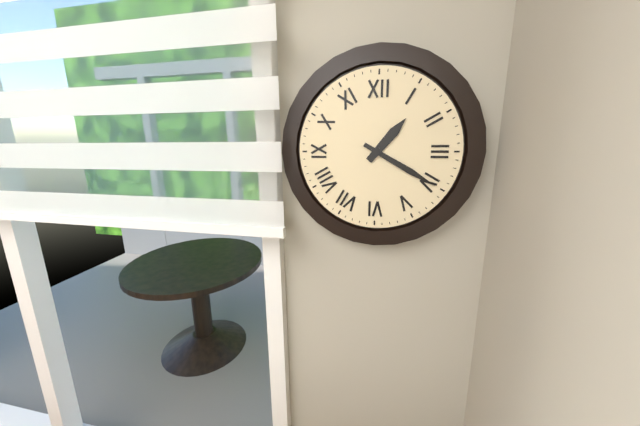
1:20
